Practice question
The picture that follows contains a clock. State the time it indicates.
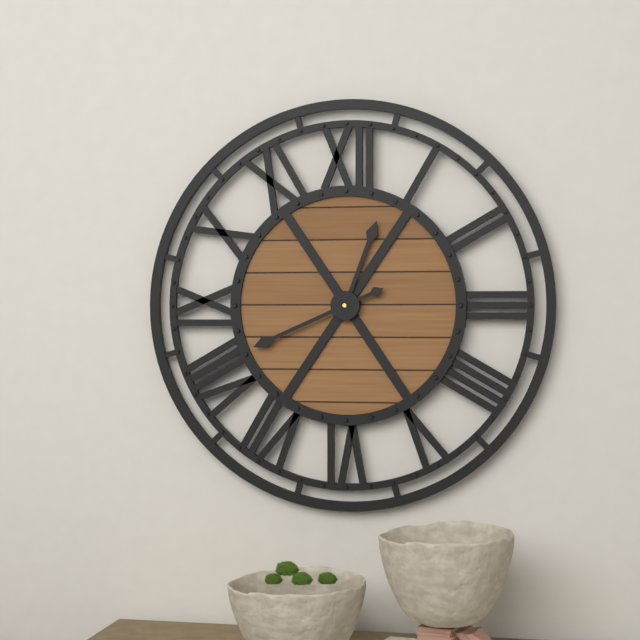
12:41
